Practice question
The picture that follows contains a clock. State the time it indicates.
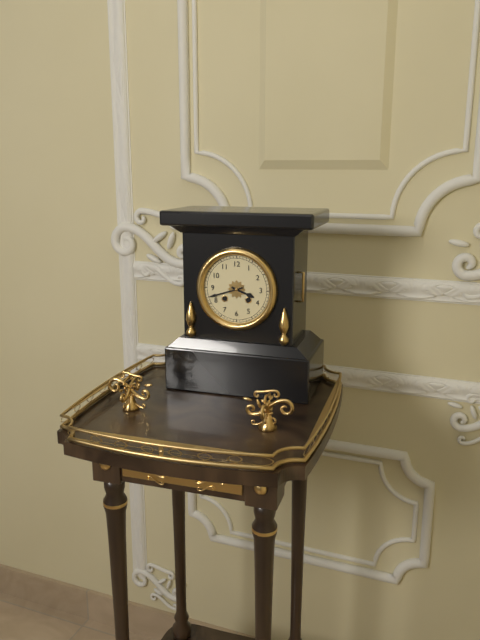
3:42
